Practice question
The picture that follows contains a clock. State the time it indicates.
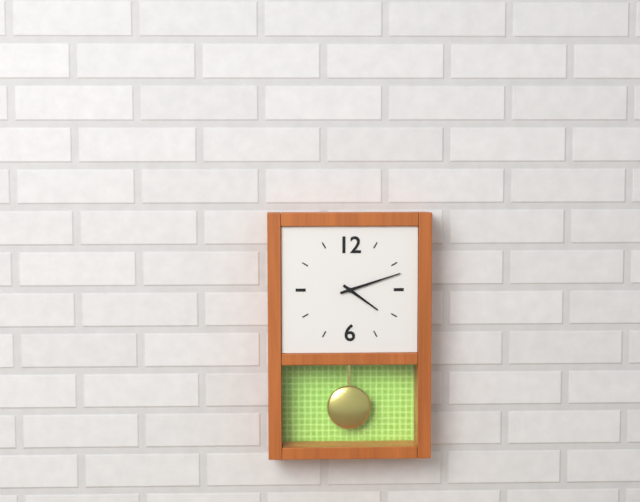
4:12
